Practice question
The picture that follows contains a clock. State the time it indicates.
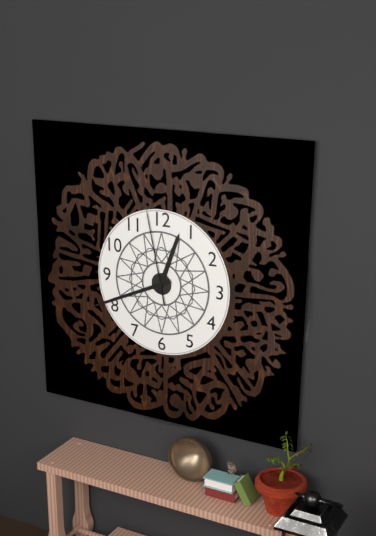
12:41:58
